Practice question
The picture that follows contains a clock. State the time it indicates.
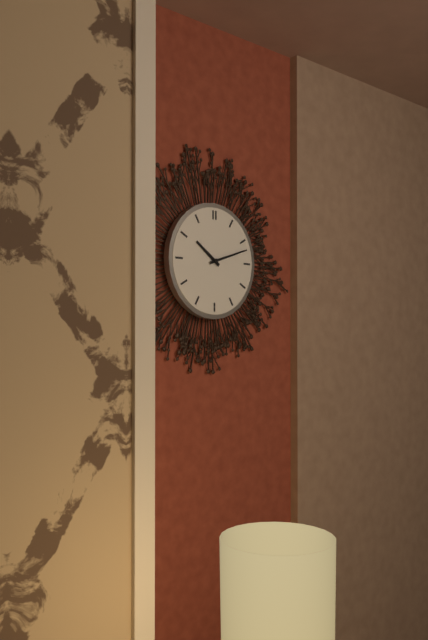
10:12
